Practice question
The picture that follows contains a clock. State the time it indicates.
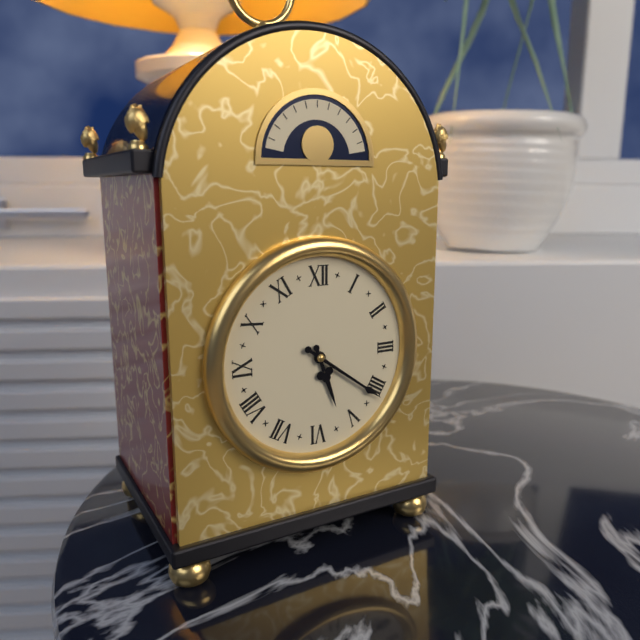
5:21
